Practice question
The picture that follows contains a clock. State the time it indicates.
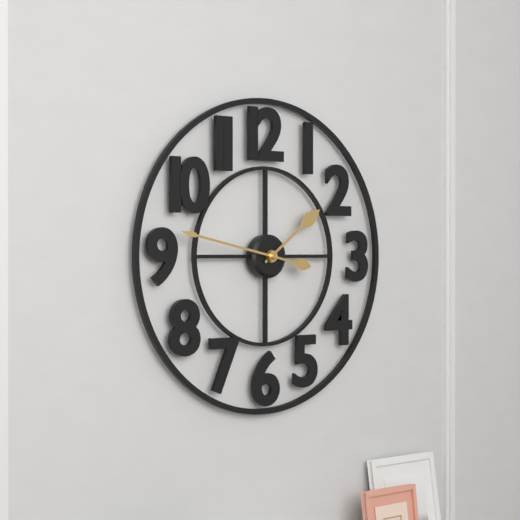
1:47
